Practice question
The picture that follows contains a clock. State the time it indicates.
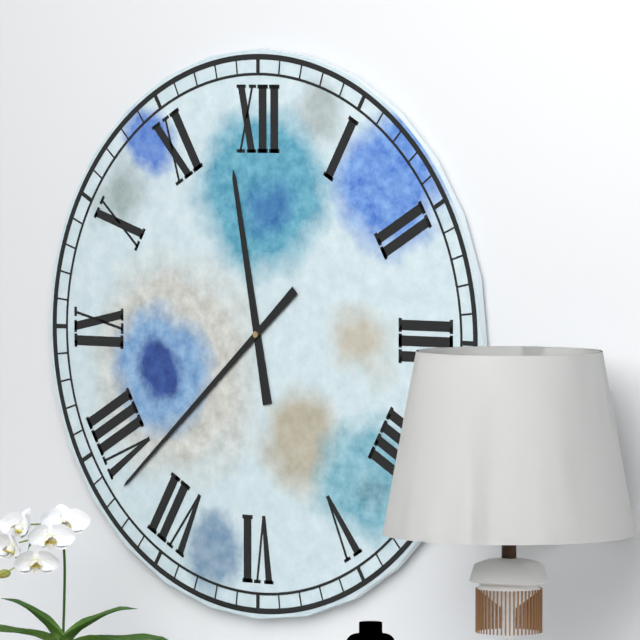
11:38
